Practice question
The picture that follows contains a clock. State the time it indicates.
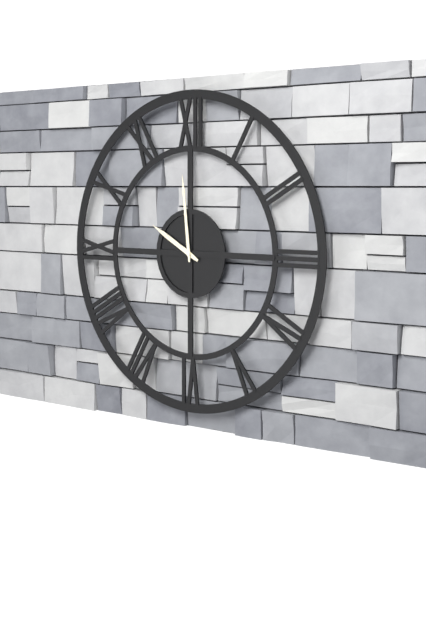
9:59
